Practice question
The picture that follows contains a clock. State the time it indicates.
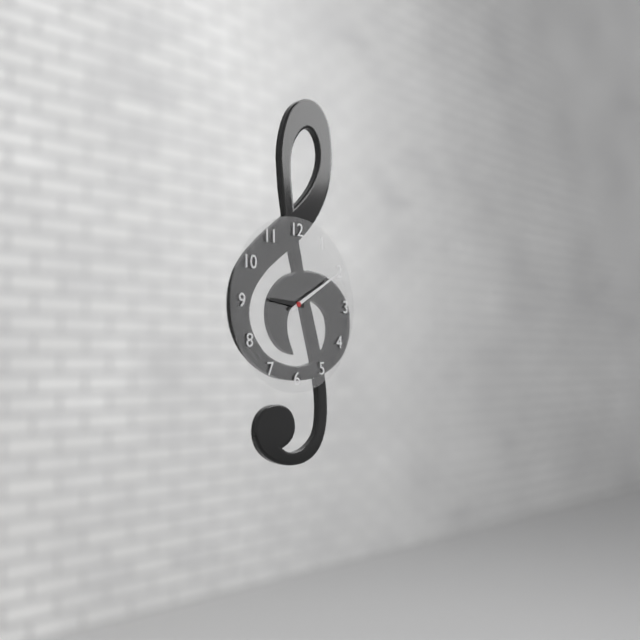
9:10
